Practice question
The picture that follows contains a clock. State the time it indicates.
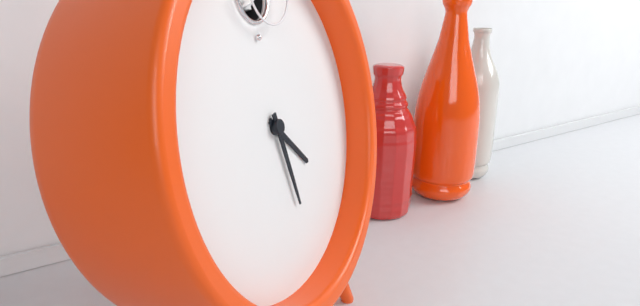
4:28
